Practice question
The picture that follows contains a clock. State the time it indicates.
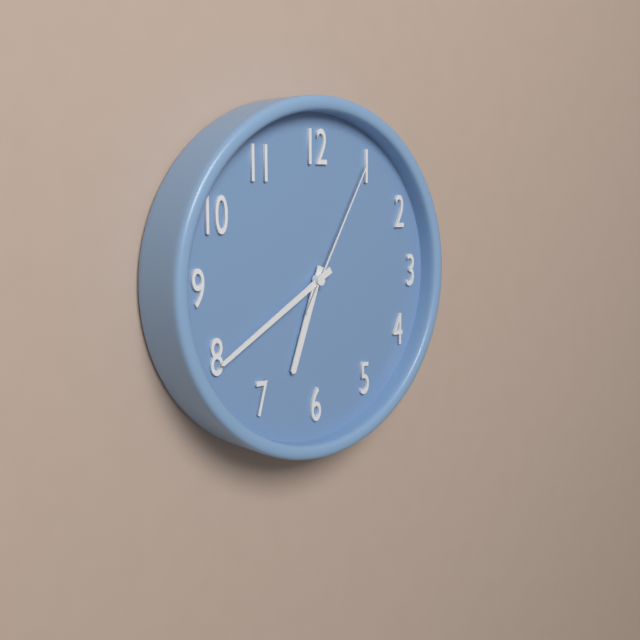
6:40:05
